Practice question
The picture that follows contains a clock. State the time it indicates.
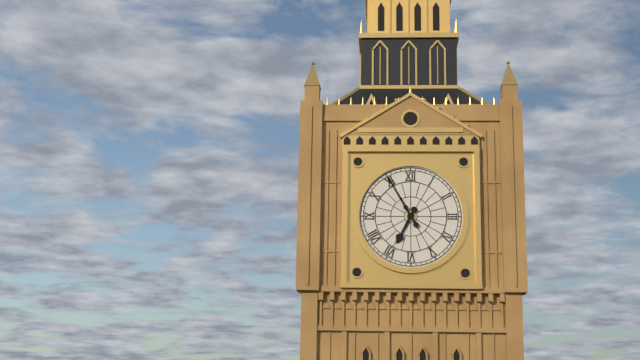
6:55
